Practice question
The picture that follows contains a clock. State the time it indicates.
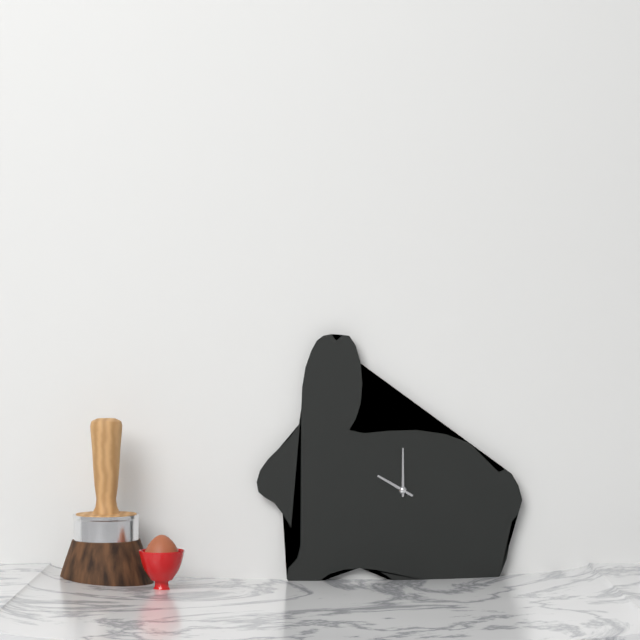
10:00
